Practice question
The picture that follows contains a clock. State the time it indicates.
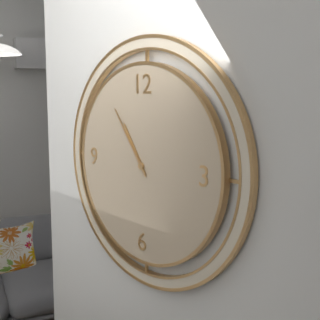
10:54
